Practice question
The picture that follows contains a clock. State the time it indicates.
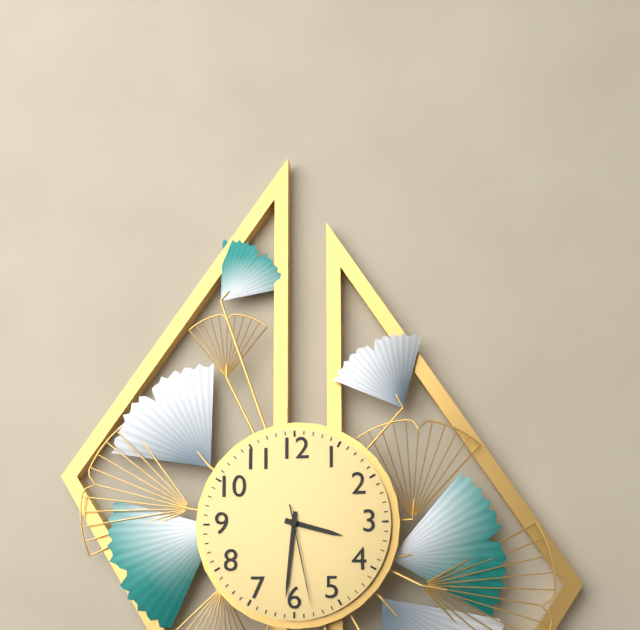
3:31:28
